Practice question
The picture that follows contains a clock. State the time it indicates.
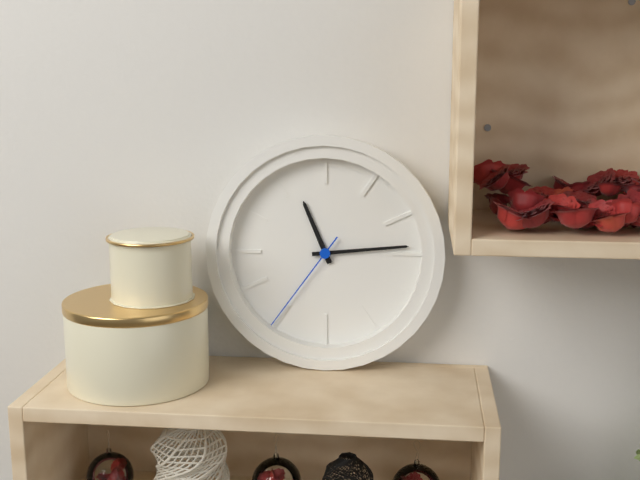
11:14:36
